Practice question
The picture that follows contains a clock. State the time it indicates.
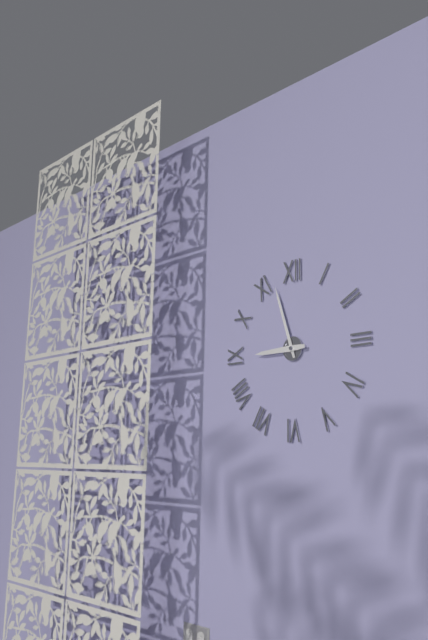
8:57
